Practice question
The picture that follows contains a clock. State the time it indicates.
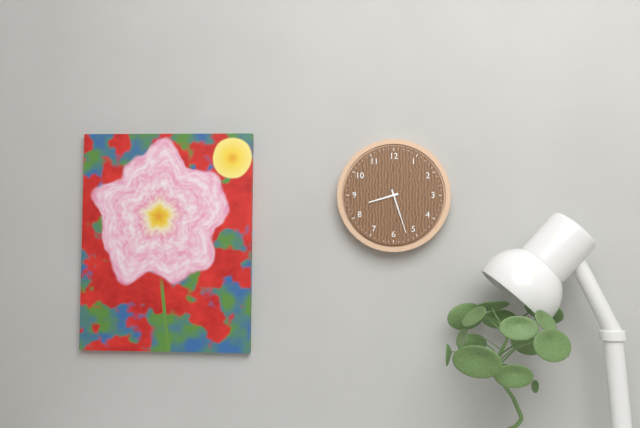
8:27
